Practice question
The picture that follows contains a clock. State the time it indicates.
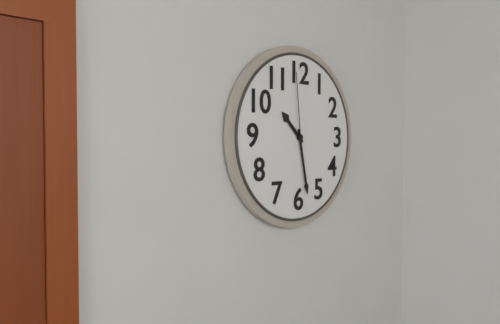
10:28:59
